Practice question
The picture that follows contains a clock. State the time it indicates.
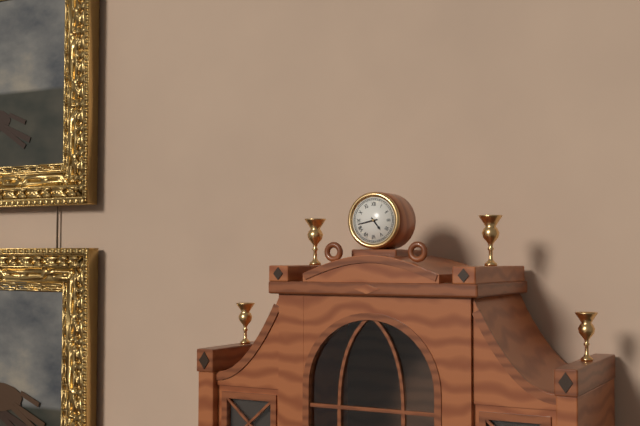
4:43
